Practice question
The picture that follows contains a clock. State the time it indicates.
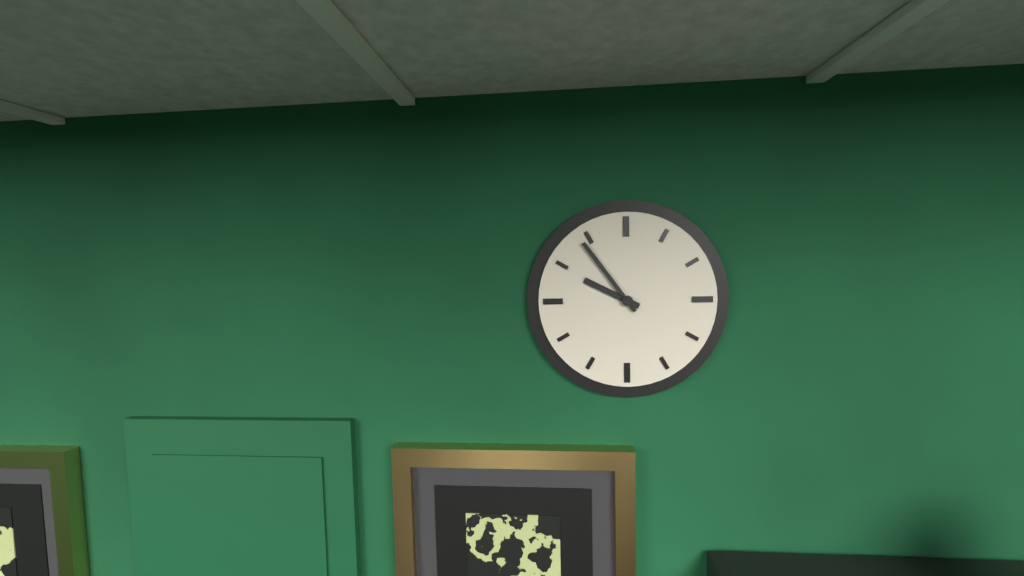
9:54
